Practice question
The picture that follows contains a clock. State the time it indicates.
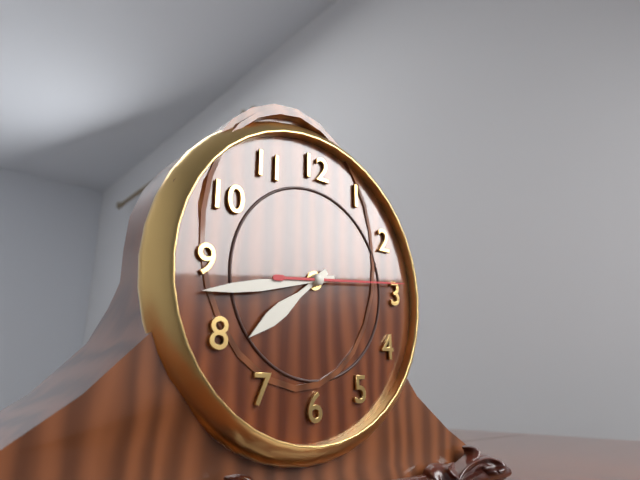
7:43:14
